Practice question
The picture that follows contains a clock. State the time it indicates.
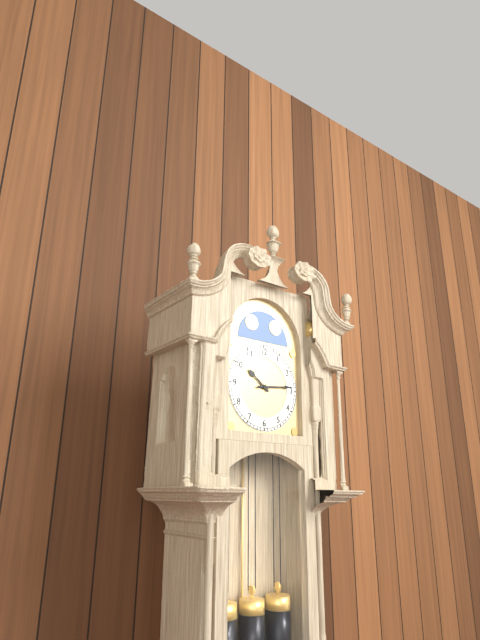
10:14
